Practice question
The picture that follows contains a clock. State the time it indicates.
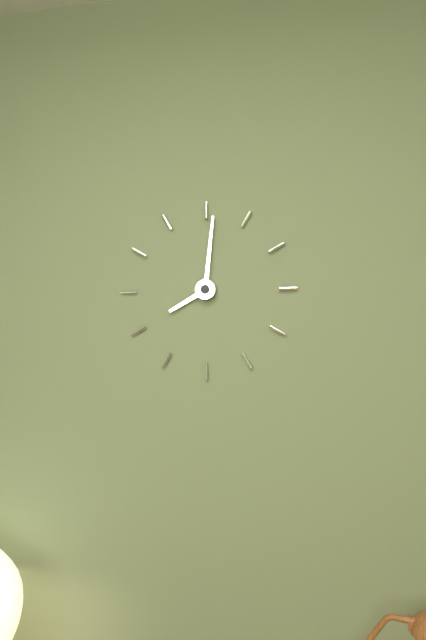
8:01
